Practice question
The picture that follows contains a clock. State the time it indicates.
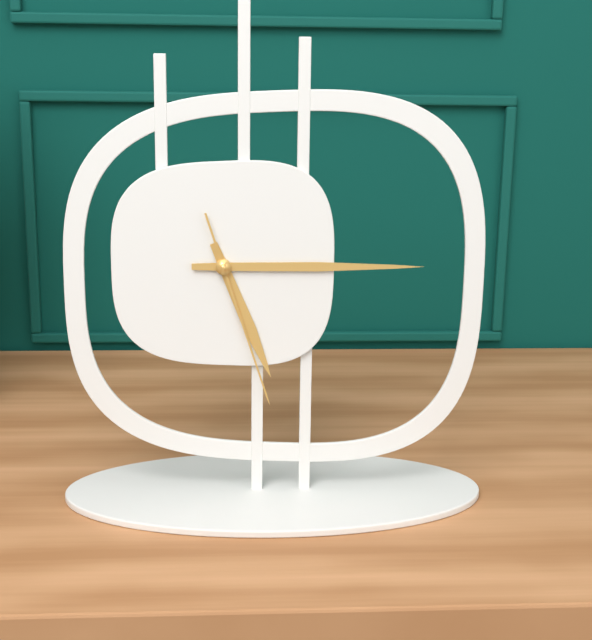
5:15:27
